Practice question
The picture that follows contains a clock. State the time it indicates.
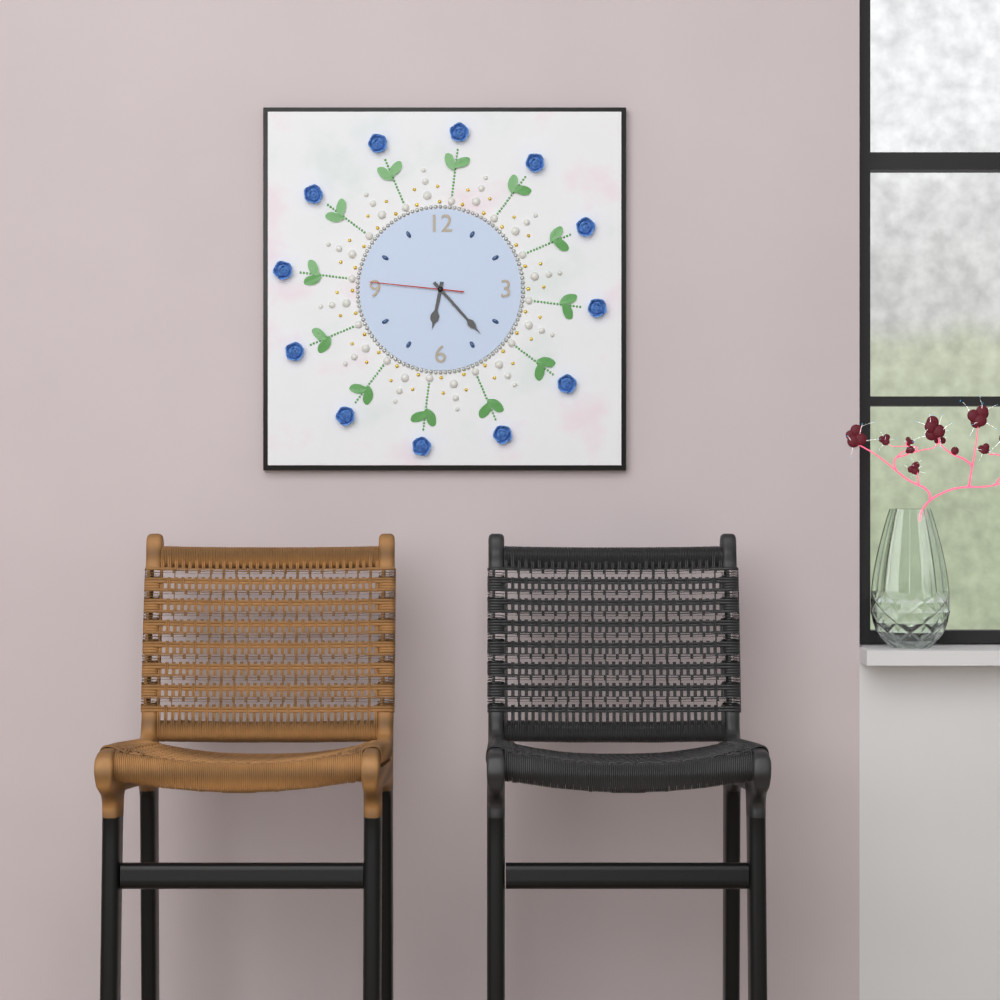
6:23:46
